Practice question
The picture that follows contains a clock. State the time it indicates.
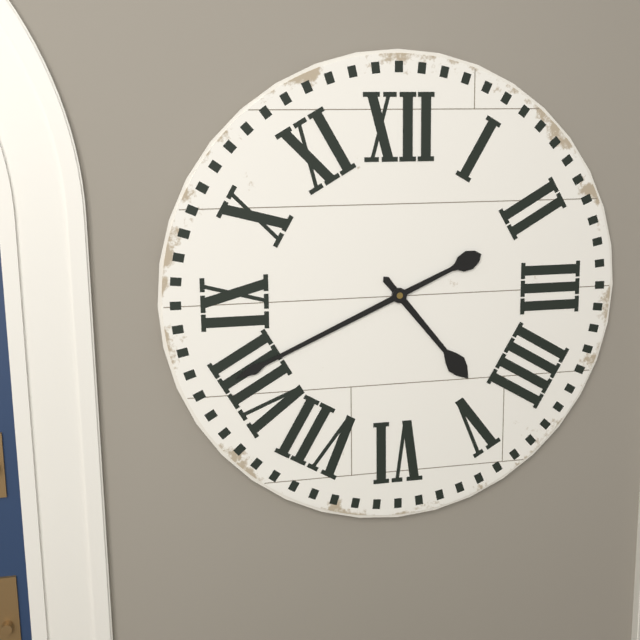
4:41
